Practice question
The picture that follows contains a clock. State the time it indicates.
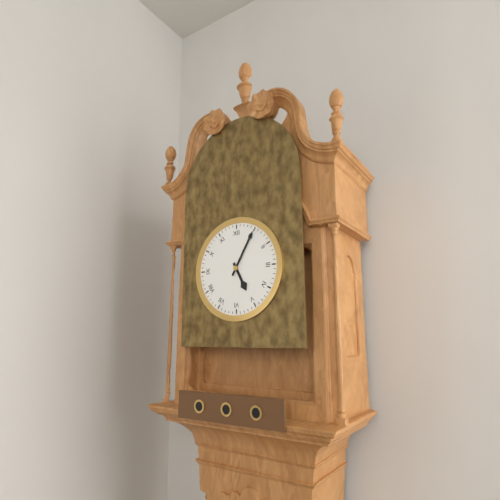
5:05
